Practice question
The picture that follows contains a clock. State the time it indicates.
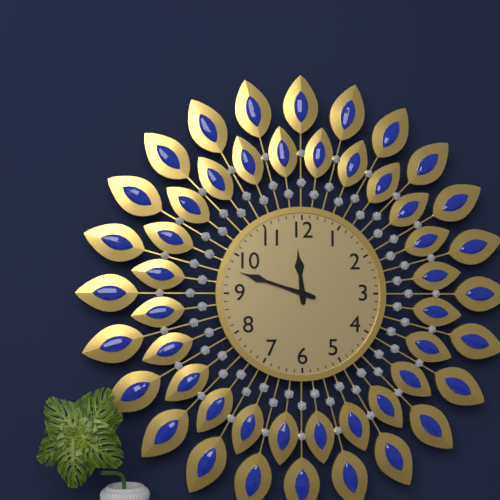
11:48
